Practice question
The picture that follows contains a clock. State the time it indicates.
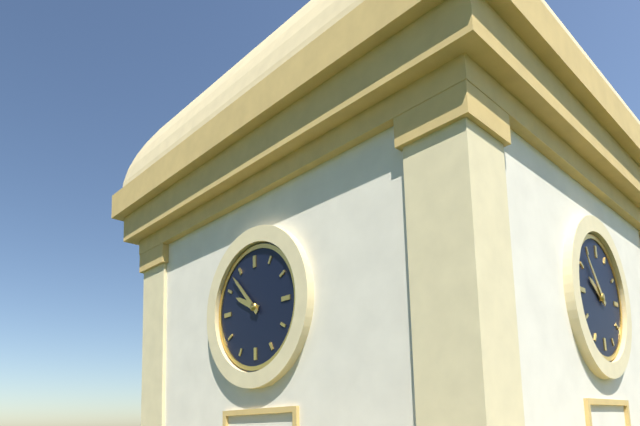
9:53
